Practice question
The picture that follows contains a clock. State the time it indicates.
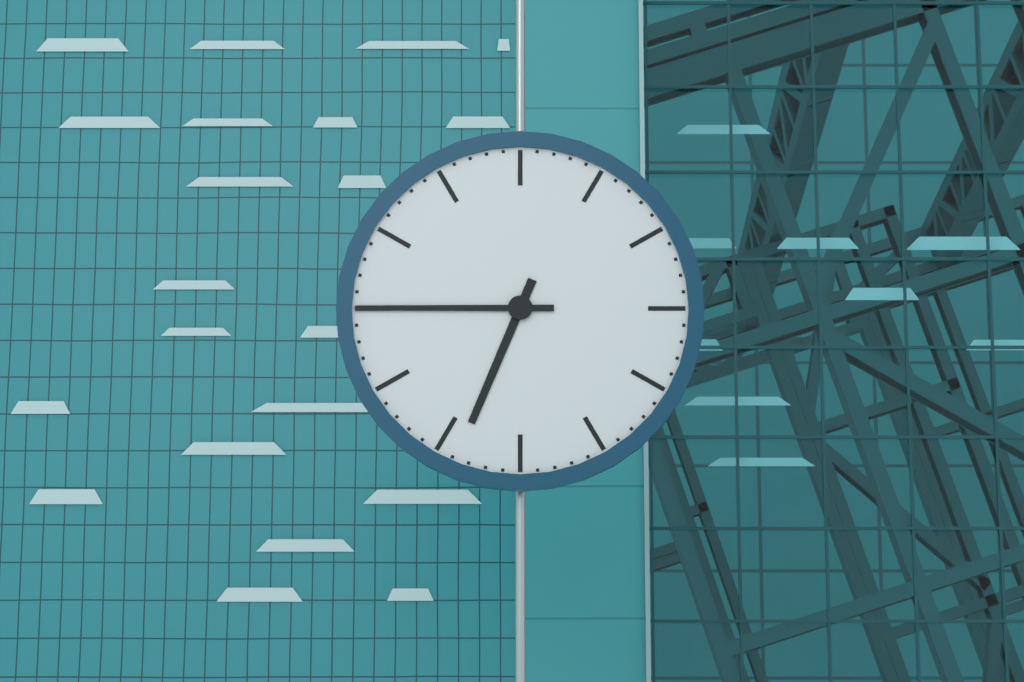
6:45
